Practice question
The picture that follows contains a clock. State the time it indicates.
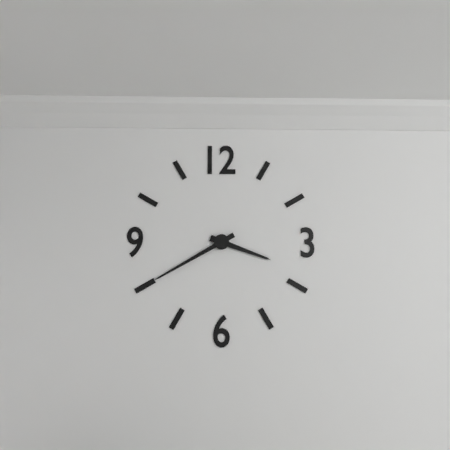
3:40
